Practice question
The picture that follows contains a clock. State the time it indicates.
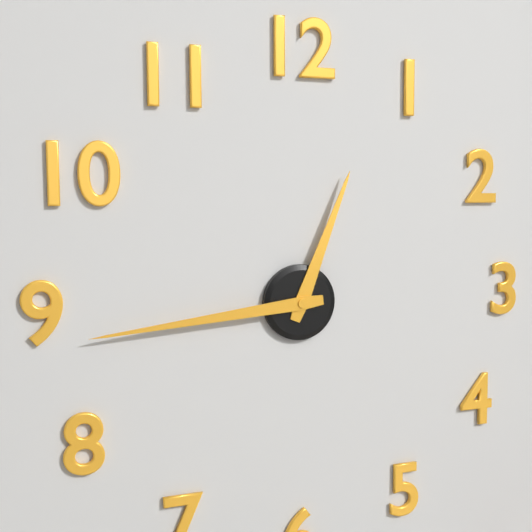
12:44
